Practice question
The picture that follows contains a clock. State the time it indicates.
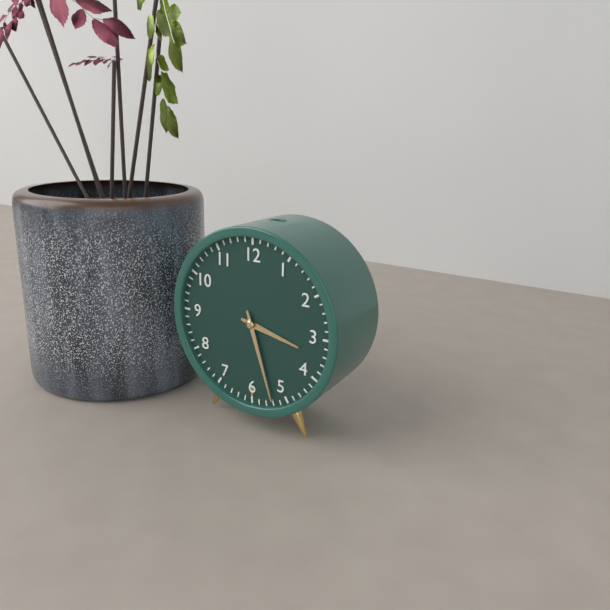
3:27
